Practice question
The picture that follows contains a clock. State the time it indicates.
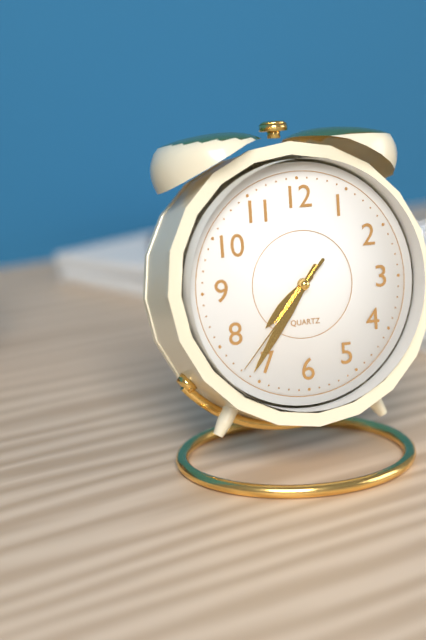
7:36:37
